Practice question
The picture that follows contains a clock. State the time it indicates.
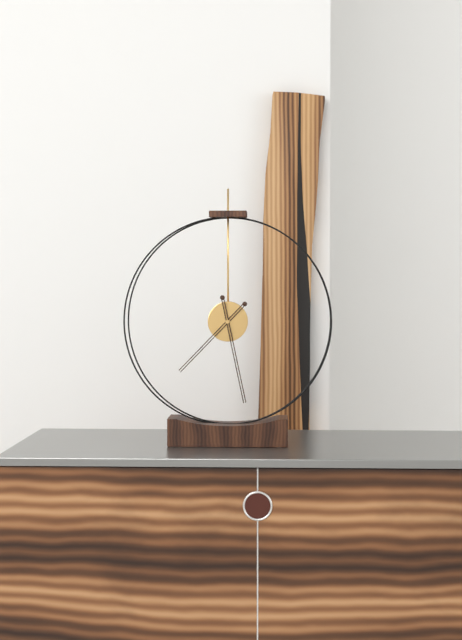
7:28
